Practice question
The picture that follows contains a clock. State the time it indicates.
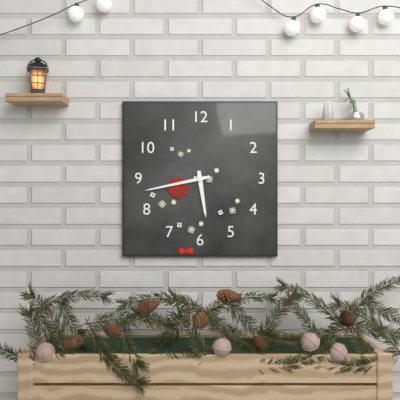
5:43
